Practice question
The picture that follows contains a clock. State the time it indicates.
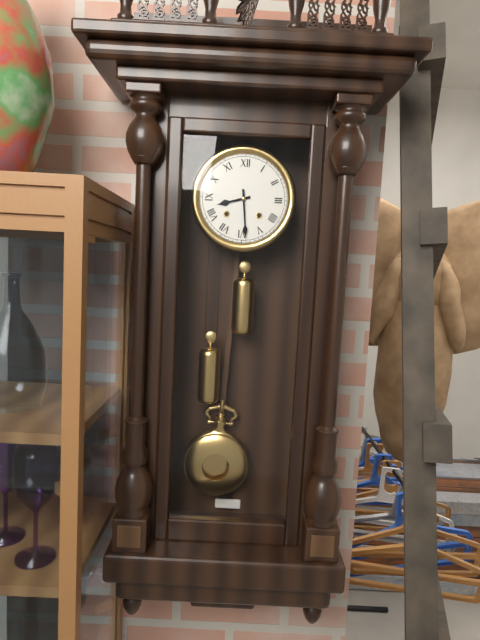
8:29
